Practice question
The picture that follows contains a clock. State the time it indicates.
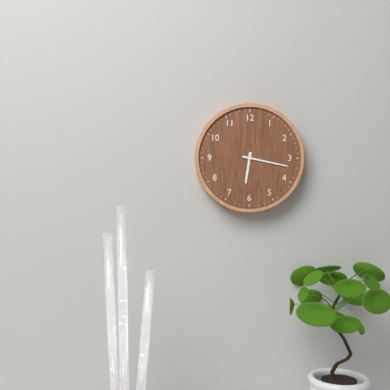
6:17
